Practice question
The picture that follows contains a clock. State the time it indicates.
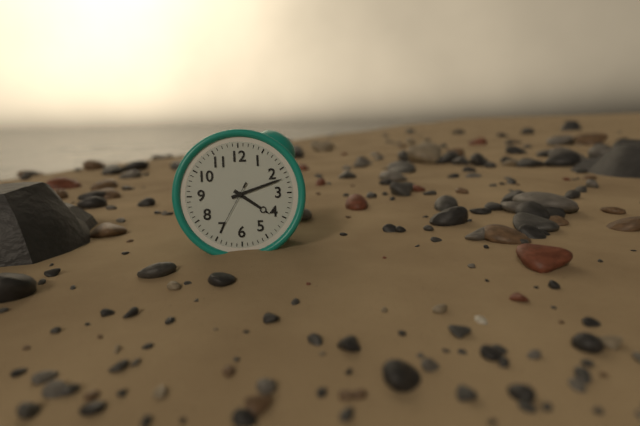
4:12:35
